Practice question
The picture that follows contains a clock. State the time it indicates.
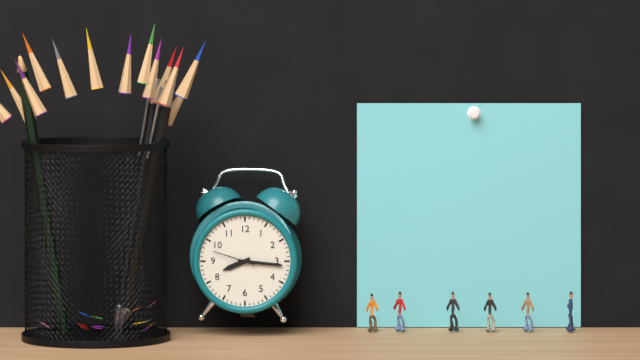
8:16
